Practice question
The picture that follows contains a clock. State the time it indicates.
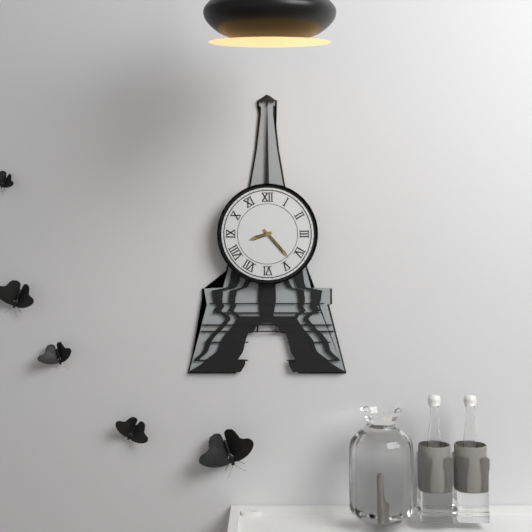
8:23
